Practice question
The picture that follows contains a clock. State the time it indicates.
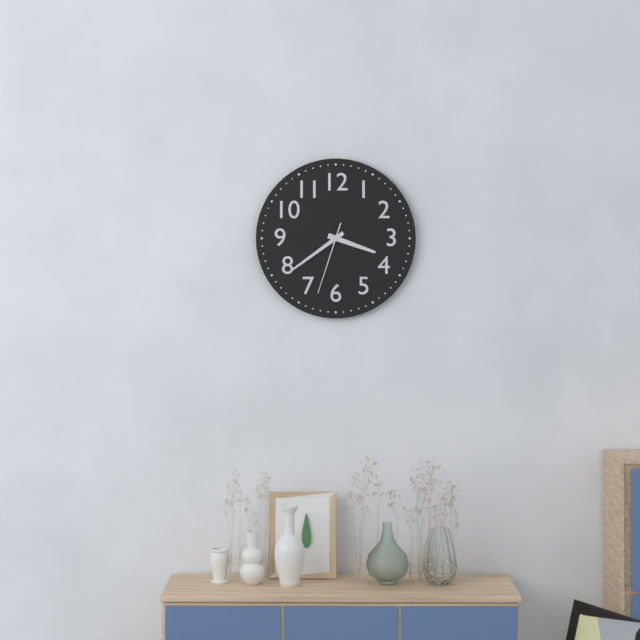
3:39:33
